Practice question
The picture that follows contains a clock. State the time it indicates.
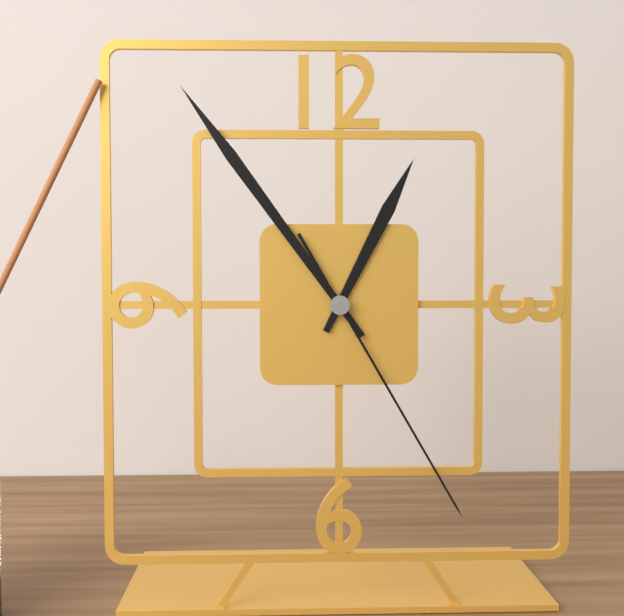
12:54:25
